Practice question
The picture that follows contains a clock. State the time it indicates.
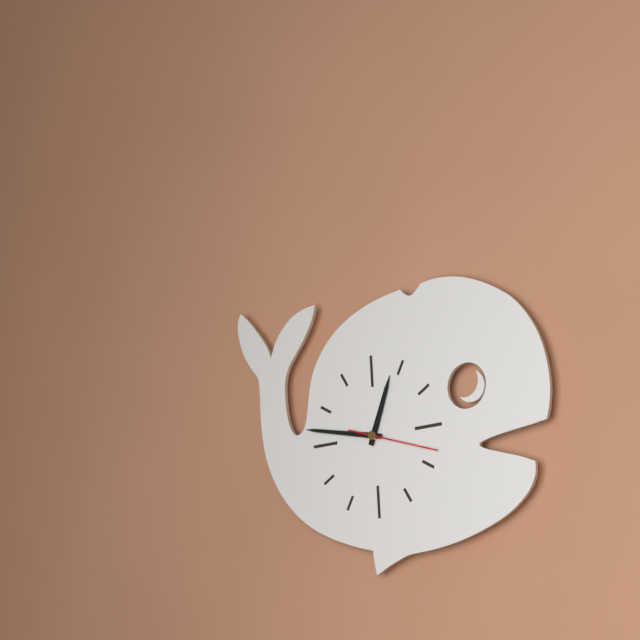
12:47:18
